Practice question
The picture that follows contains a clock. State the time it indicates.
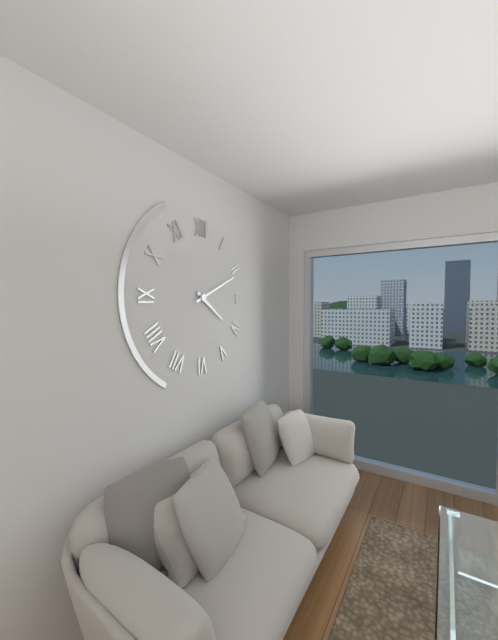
4:11
